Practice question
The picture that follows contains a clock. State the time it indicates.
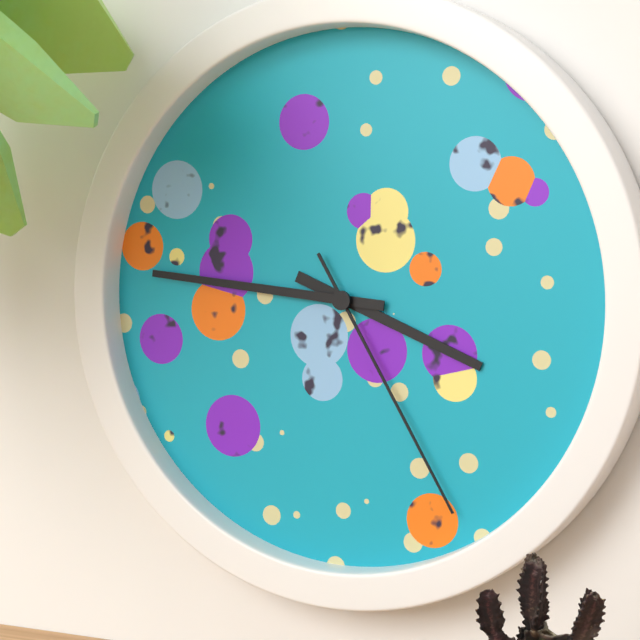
3:46:25
